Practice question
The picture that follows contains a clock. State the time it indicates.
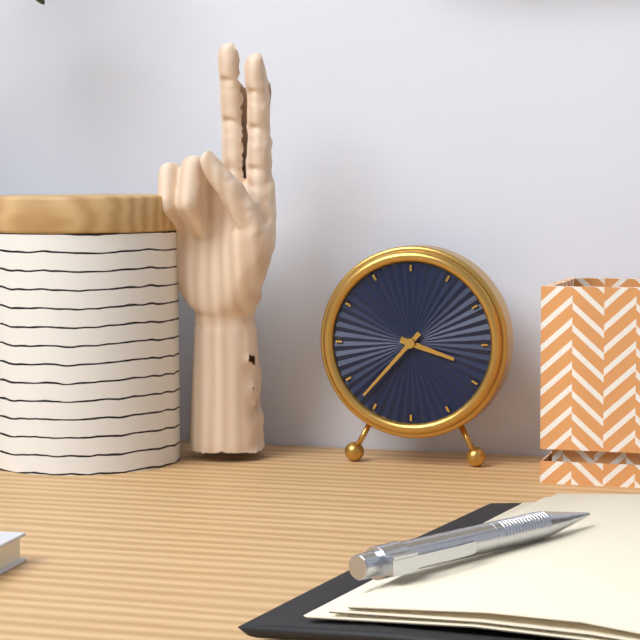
3:37
